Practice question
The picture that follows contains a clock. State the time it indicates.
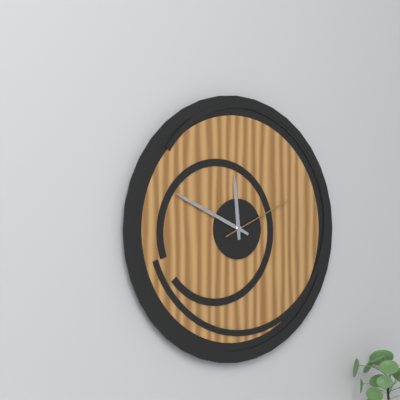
11:49:11
